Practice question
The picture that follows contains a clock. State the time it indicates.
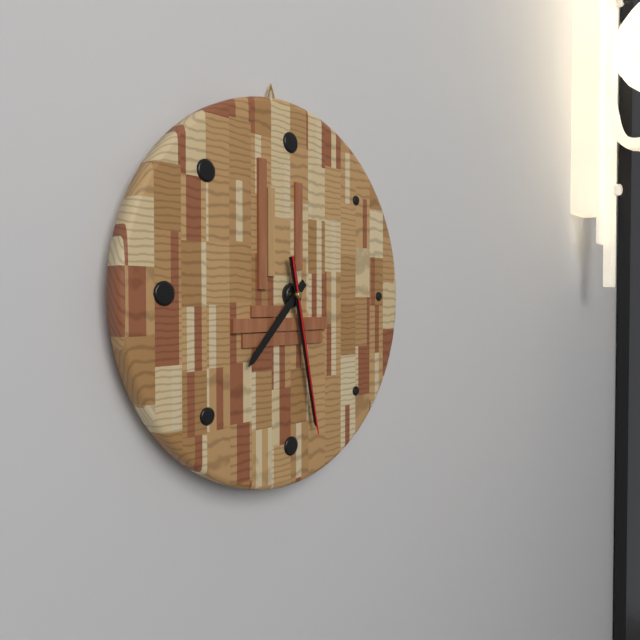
7:28:28
